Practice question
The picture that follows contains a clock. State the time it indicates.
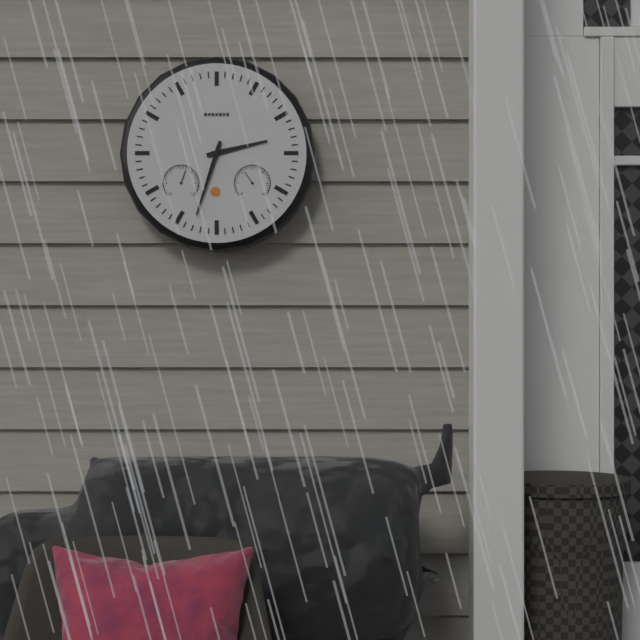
2:33
